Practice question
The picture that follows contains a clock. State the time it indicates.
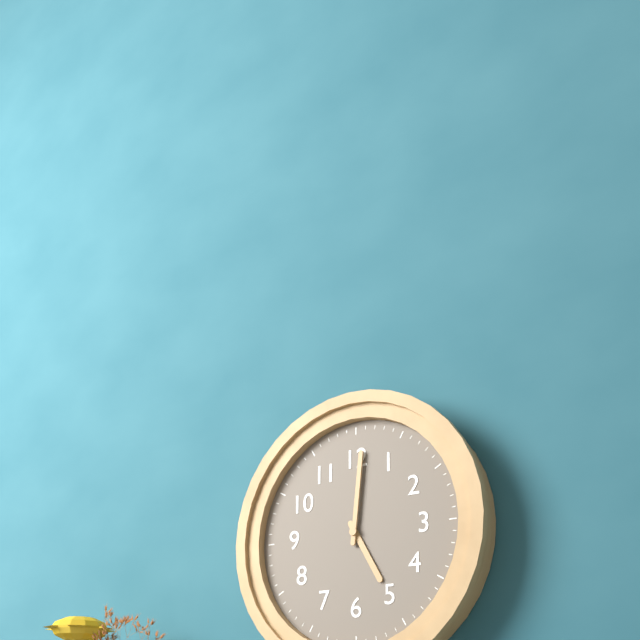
5:01
